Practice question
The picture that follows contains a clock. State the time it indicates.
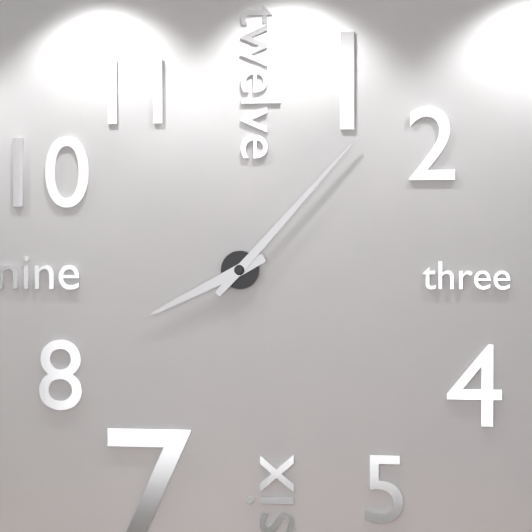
8:07
